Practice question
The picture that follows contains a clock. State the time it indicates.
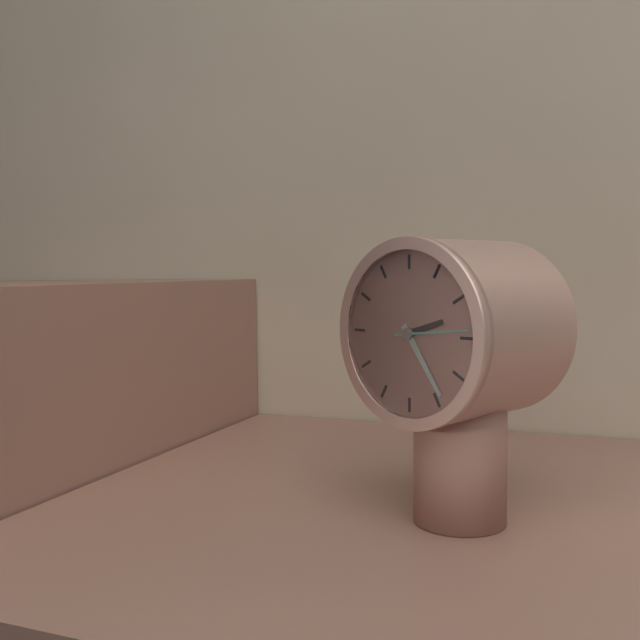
2:24:14
